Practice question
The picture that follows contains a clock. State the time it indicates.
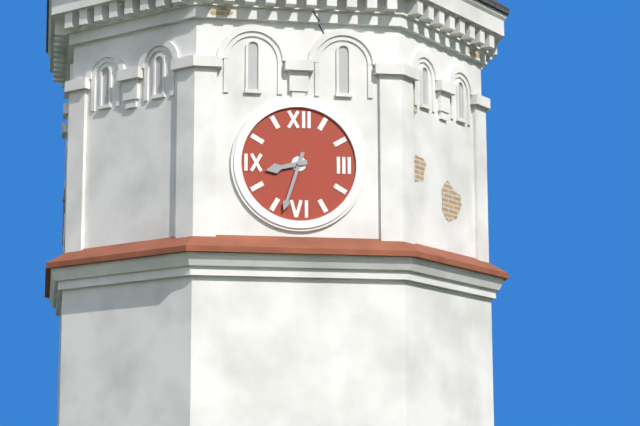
8:33
